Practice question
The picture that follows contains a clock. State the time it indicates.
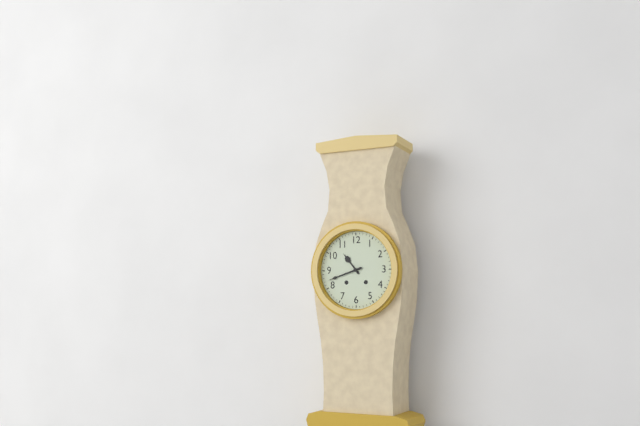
10:42
